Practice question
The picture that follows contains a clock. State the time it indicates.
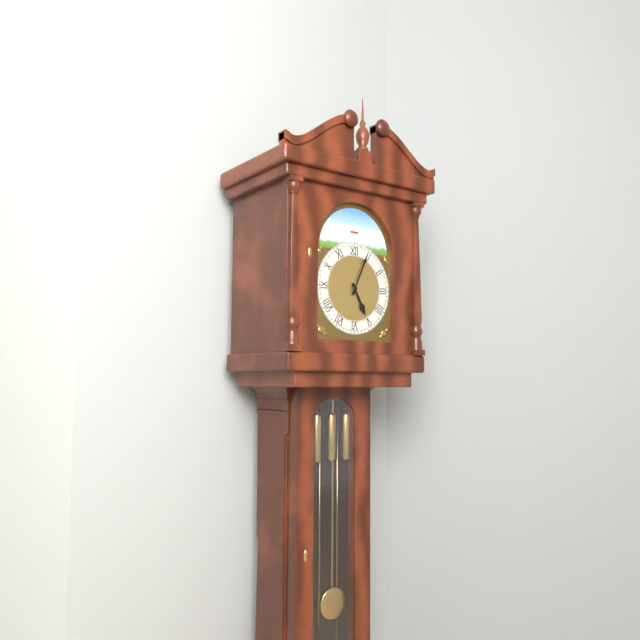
5:04
